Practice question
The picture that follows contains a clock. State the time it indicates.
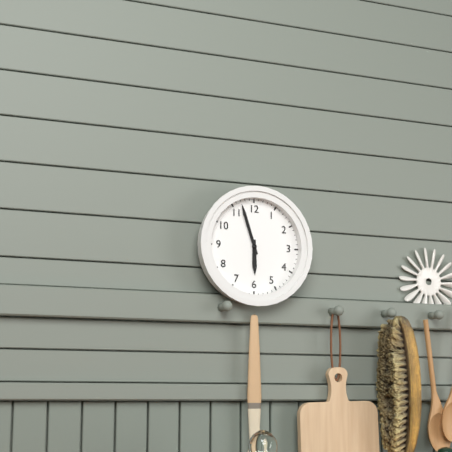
5:57
